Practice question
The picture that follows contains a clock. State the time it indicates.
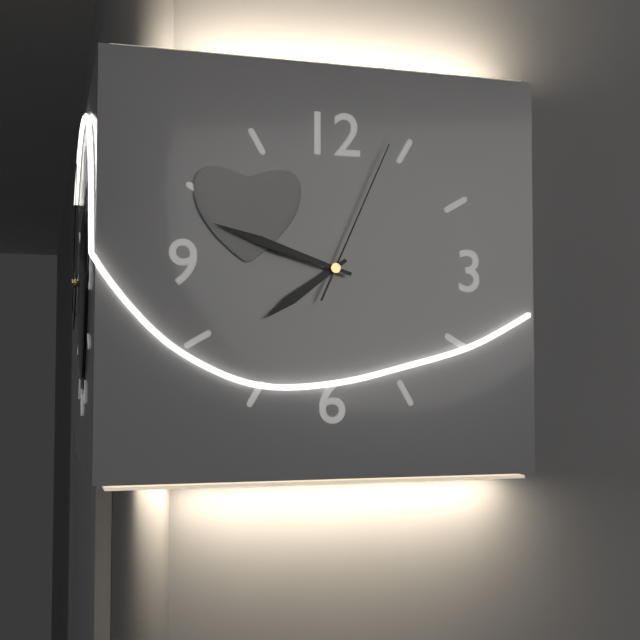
7:48:04
